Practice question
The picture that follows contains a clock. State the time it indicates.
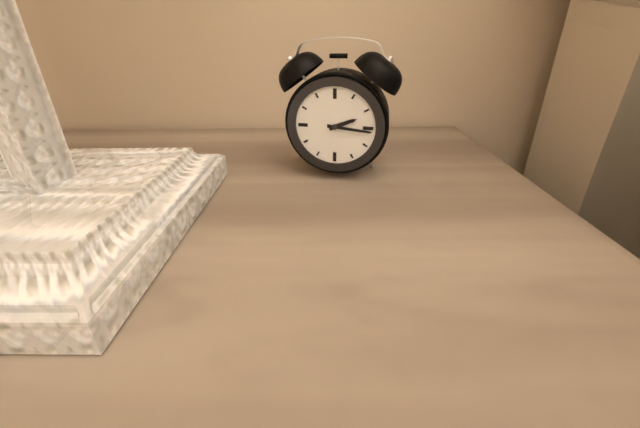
2:16
